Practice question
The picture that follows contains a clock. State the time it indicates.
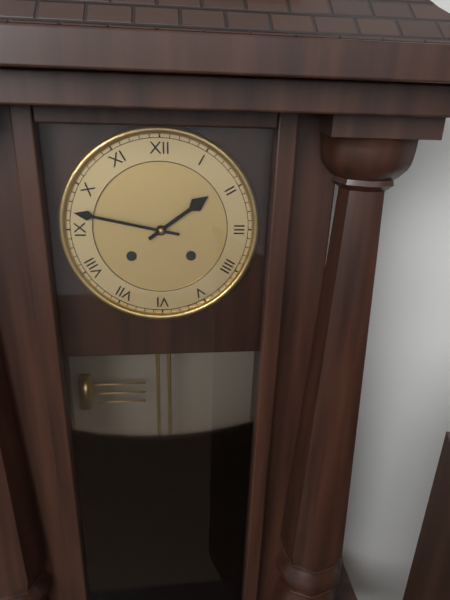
1:47
